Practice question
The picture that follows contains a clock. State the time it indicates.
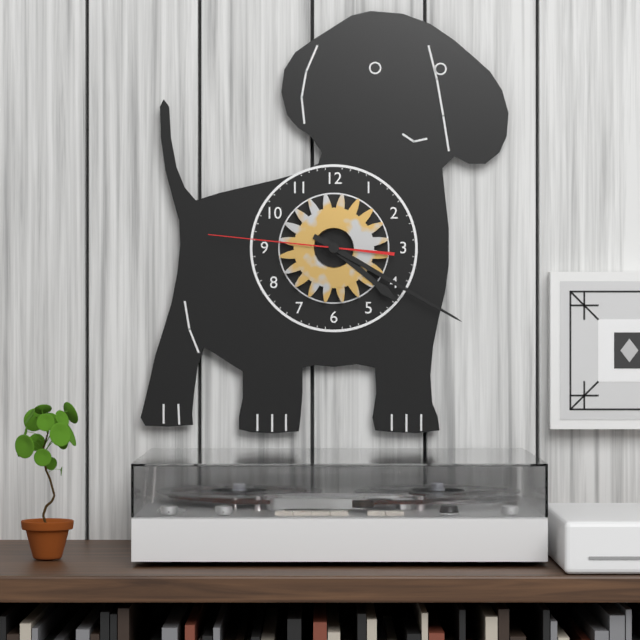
4:20:46
